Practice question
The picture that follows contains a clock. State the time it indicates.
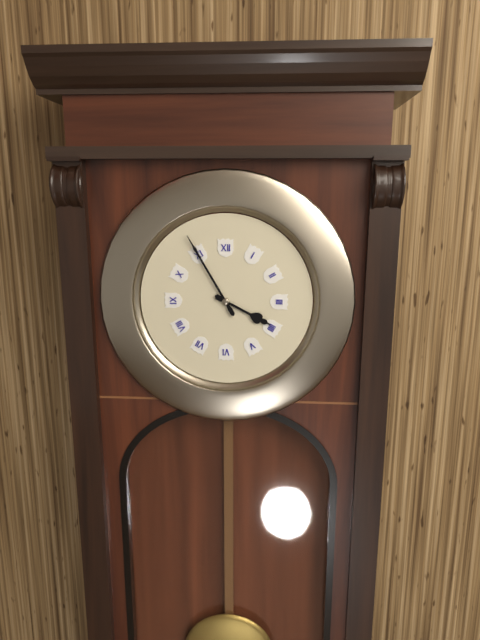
3:55
